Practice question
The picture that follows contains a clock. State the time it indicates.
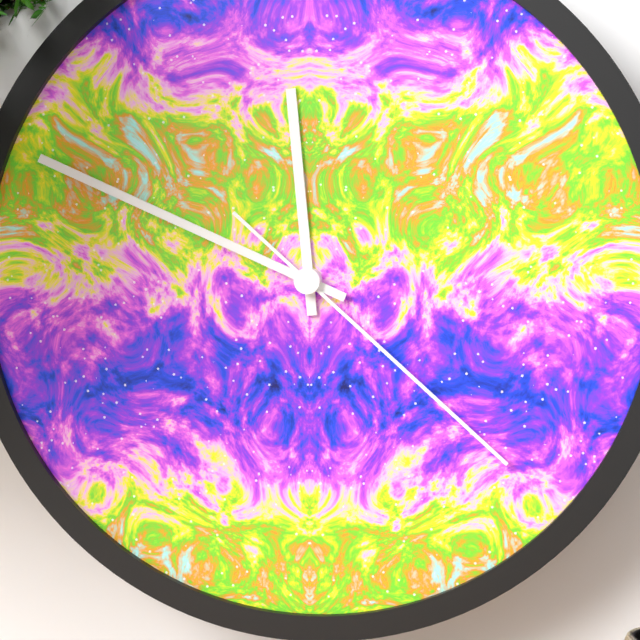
11:49:22
